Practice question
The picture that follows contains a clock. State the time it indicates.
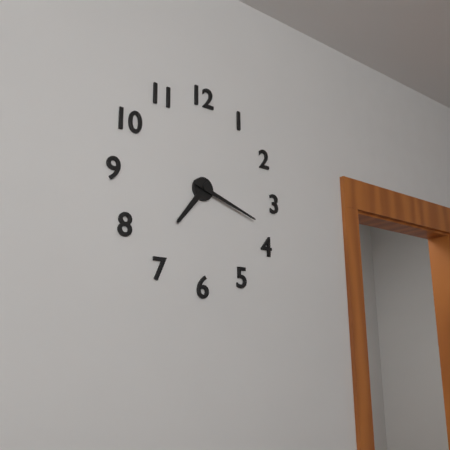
7:18
